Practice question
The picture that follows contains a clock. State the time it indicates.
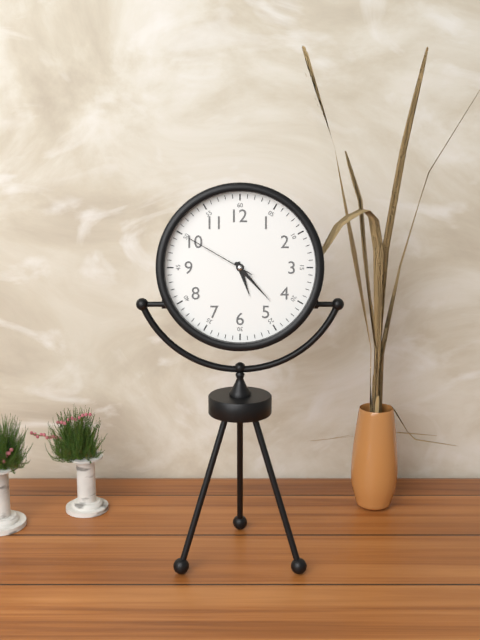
5:23:50
